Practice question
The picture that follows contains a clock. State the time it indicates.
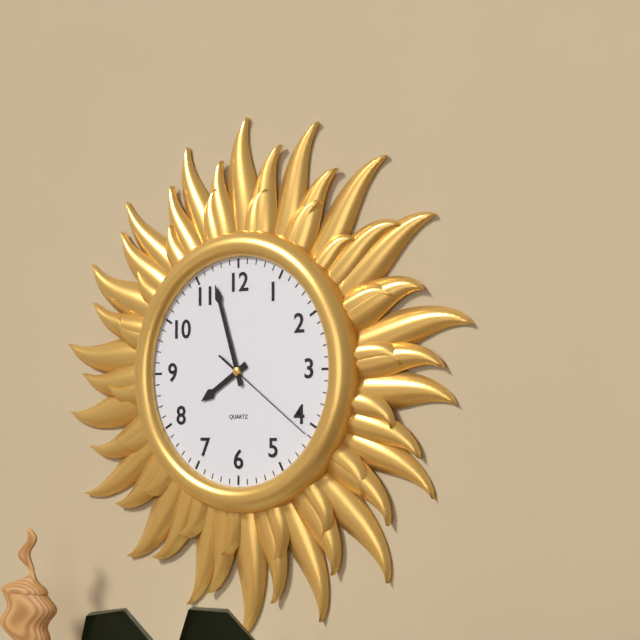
7:57:21
